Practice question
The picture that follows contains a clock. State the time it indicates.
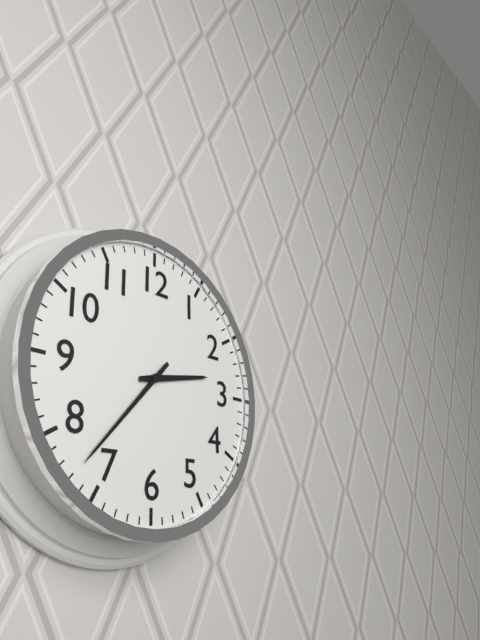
2:37
